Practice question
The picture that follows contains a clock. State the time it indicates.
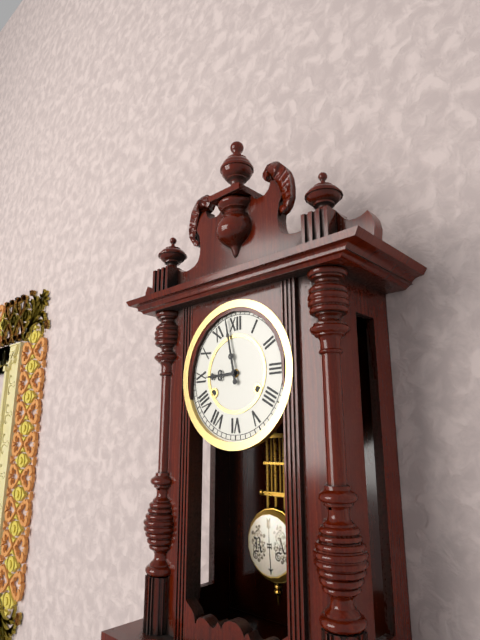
8:58
